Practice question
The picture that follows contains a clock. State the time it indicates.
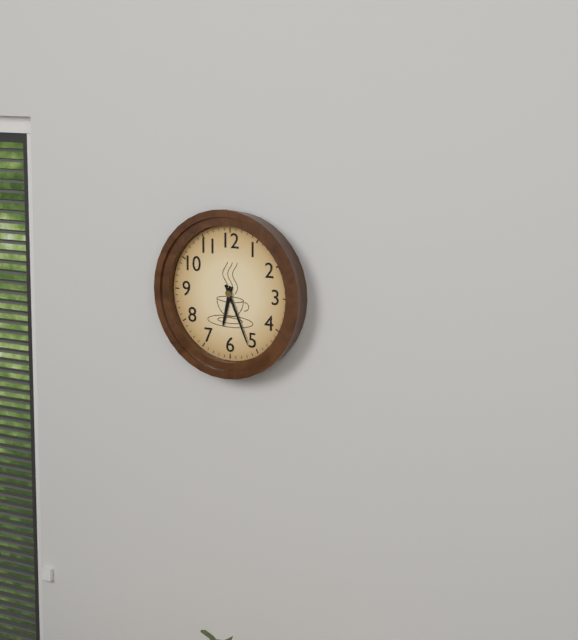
6:26
